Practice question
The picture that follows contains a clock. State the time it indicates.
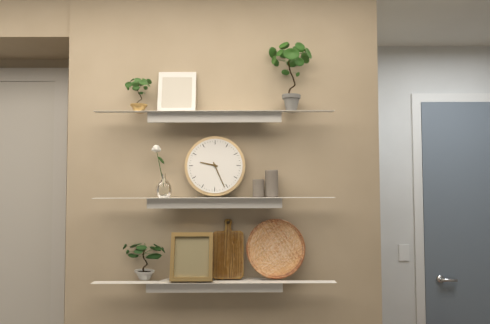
9:26
